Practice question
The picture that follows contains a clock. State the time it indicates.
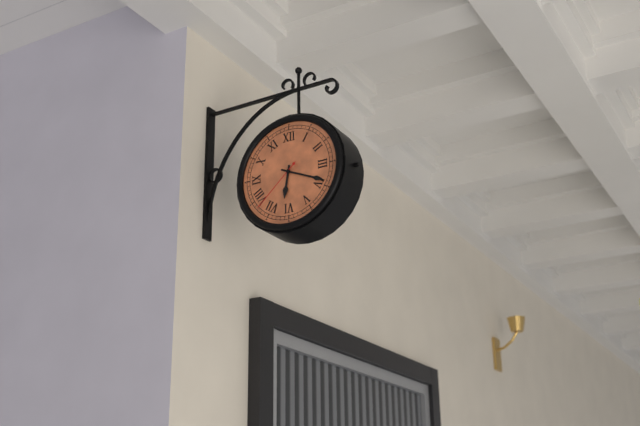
6:19:38
